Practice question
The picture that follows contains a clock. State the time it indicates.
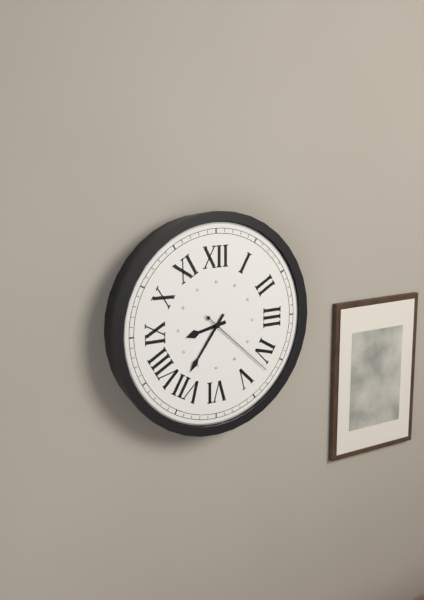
8:36:22
